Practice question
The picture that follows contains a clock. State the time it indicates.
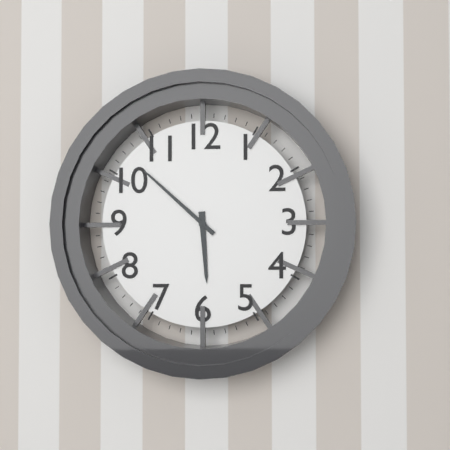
5:52
